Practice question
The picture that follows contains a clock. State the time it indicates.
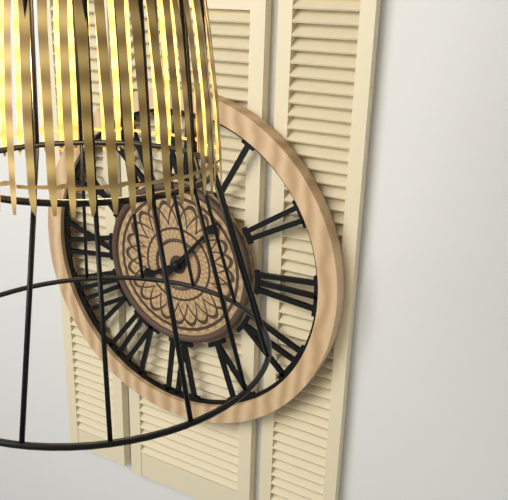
8:07
